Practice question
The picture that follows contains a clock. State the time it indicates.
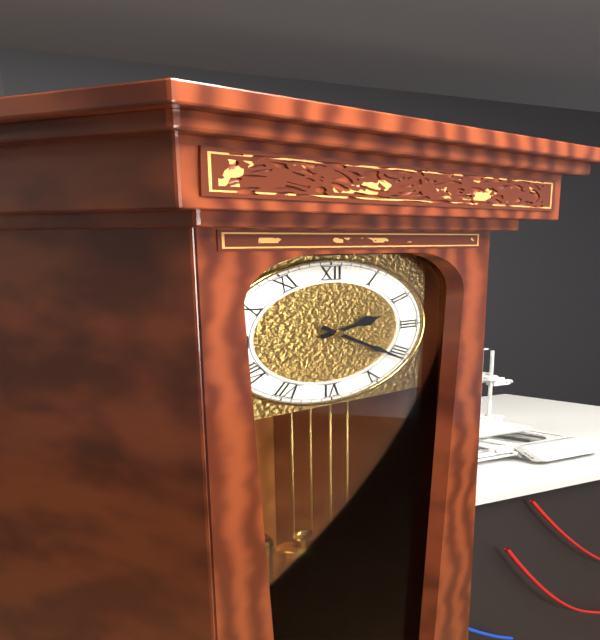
2:21
